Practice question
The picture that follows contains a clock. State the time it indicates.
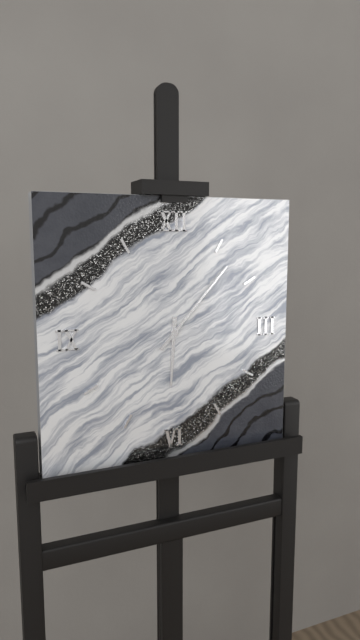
6:07
